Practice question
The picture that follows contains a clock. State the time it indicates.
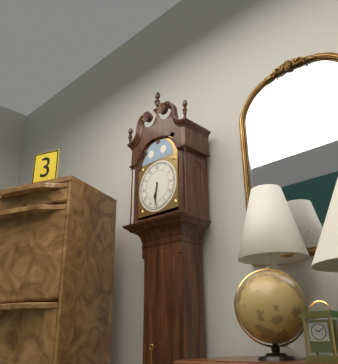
6:31
